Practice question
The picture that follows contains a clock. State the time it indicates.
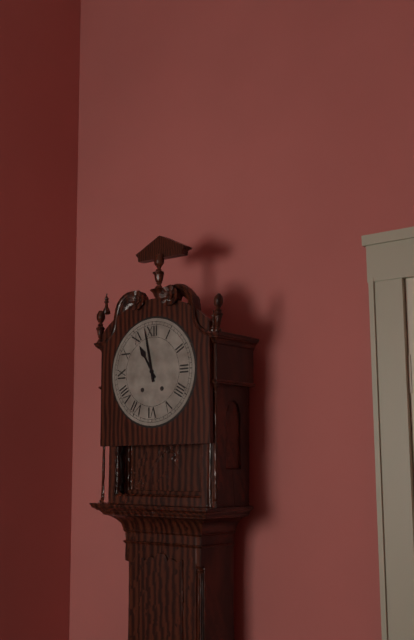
10:58
